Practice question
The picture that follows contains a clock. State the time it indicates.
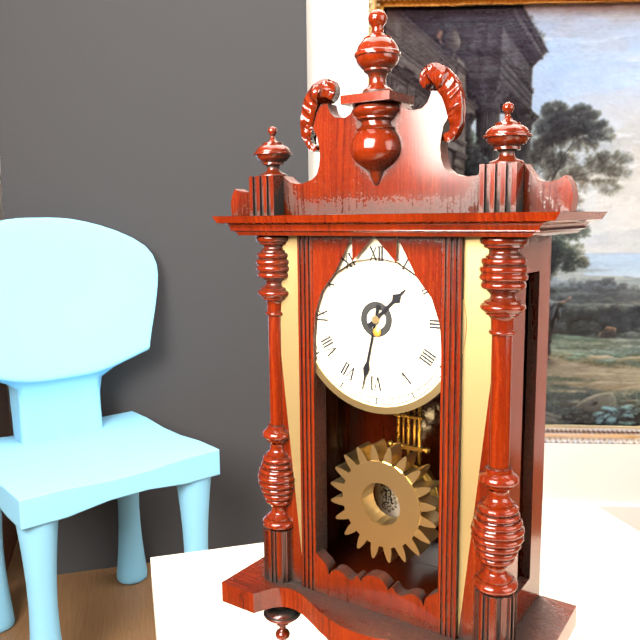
1:32
